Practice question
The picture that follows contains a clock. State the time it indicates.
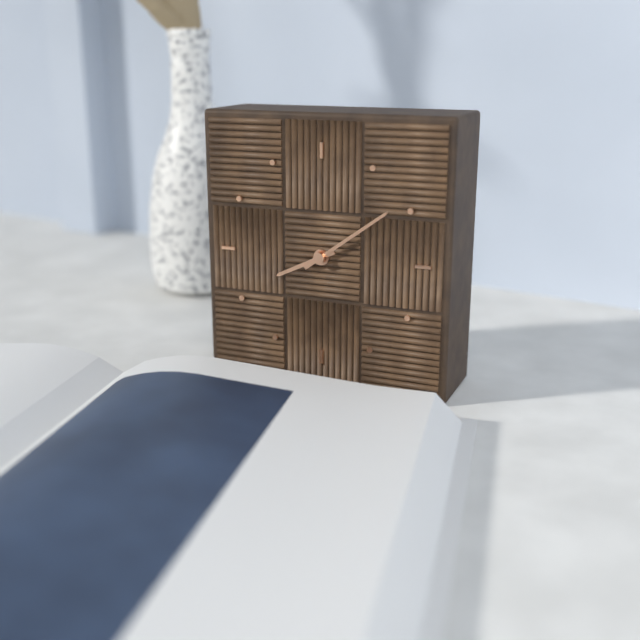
8:09
